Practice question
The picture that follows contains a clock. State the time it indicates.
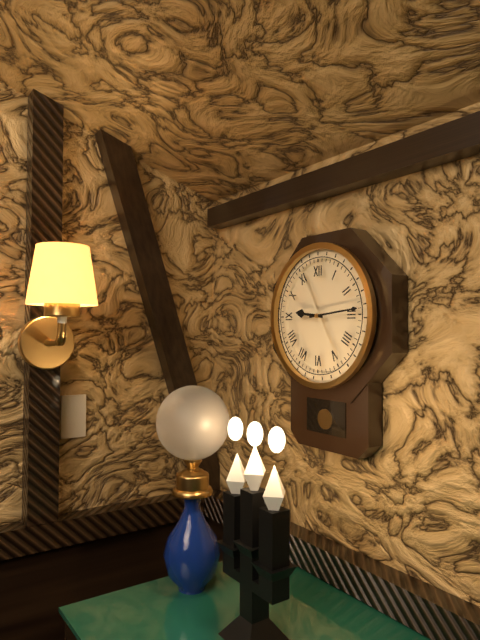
9:14
